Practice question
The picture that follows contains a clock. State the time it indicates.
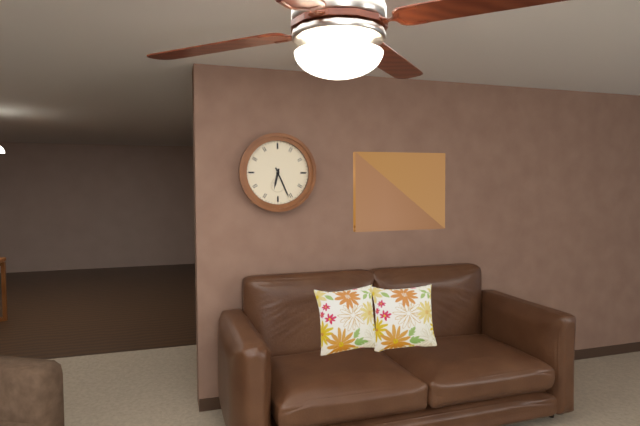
6:26
